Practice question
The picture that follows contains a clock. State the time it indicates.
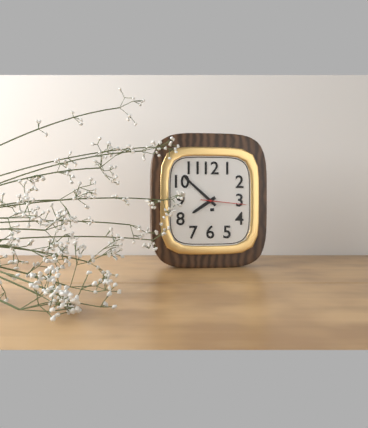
7:52:16
